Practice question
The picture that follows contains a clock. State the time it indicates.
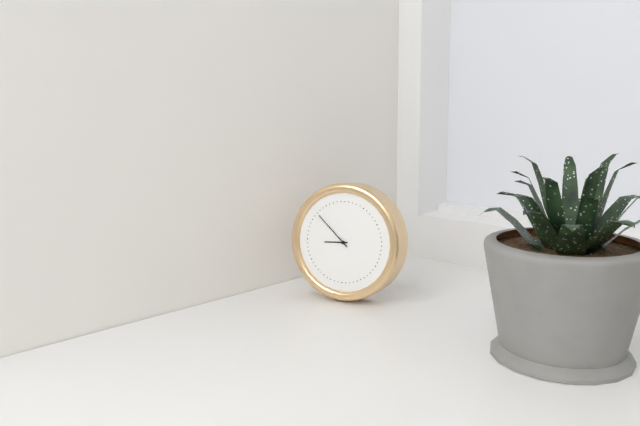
8:52
